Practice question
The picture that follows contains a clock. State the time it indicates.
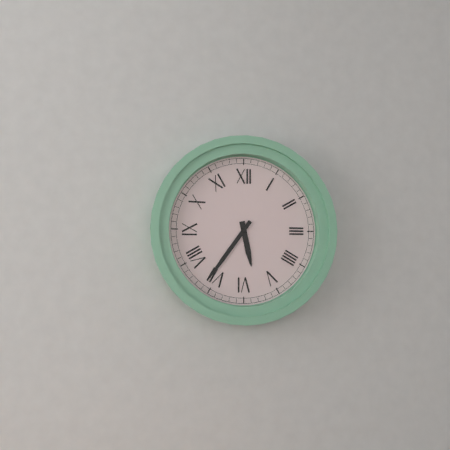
5:36
